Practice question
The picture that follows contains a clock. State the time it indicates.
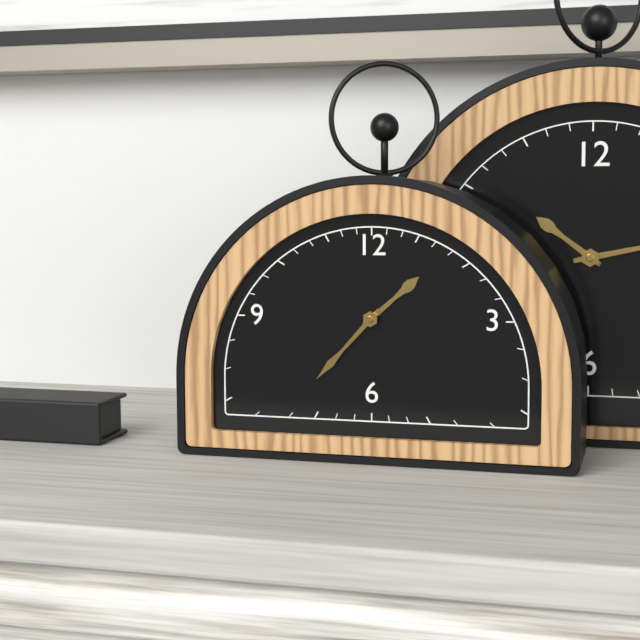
1:37
